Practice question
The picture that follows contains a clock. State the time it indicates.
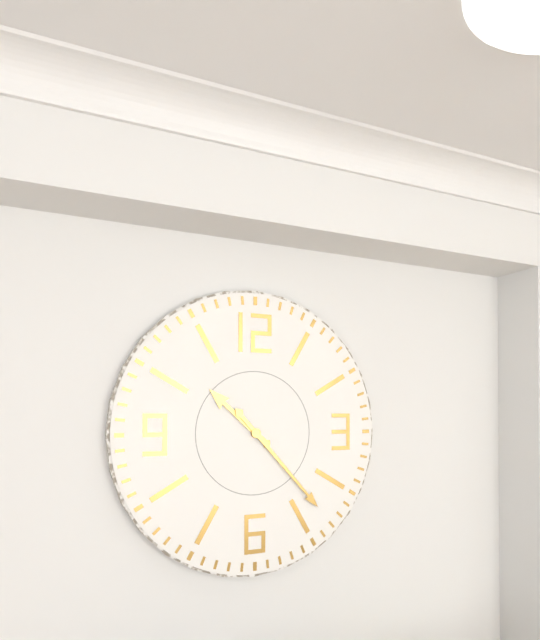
10:23
